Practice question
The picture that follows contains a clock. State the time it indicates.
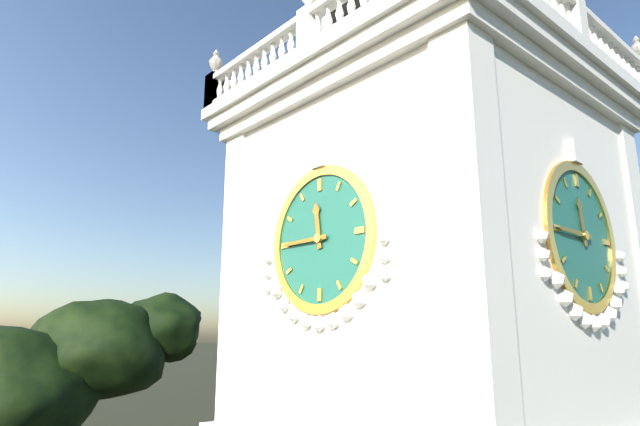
11:45
